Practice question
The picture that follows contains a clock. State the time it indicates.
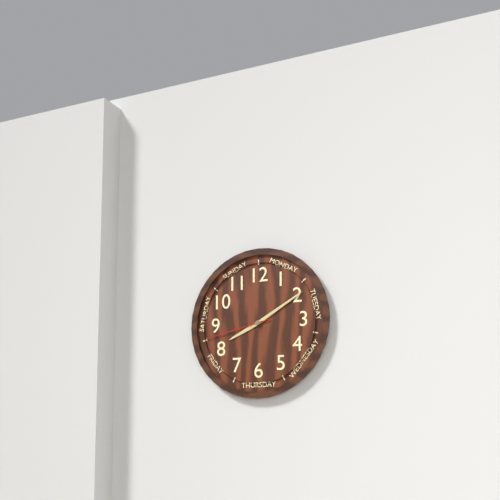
8:10:43
